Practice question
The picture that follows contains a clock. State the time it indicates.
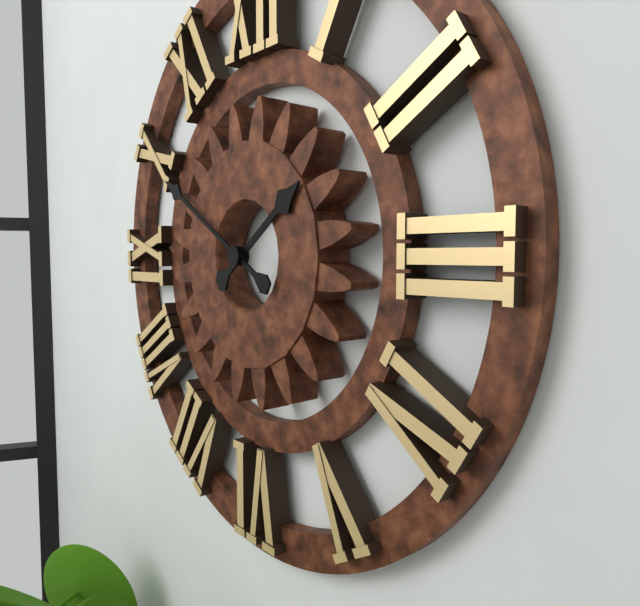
1:50
